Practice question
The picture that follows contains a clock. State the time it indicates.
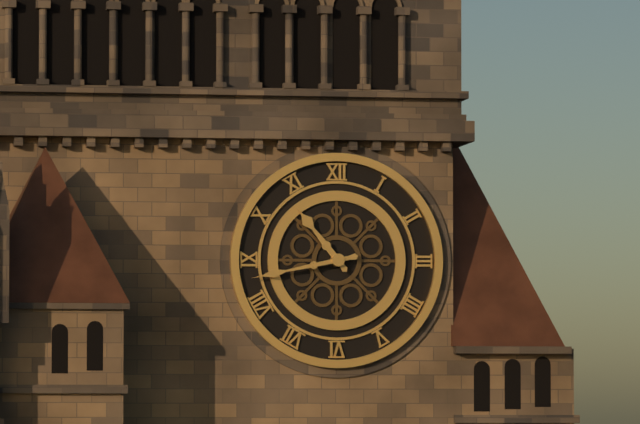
10:43
